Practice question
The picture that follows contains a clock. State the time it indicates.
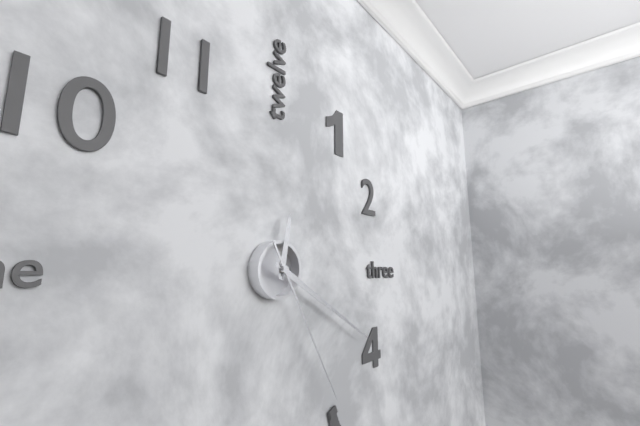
12:20:25
